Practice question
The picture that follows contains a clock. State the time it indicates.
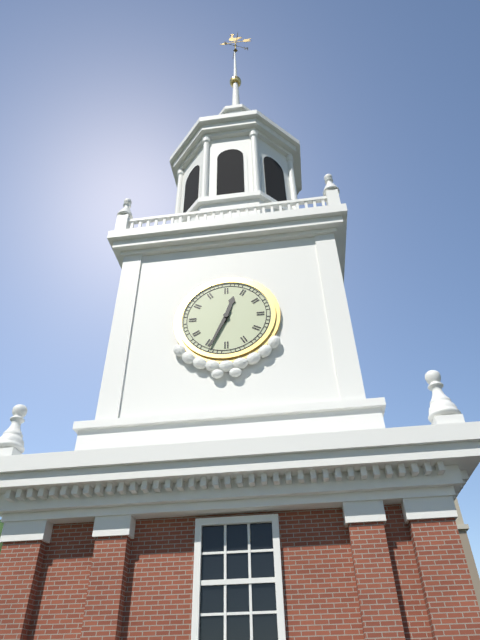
12:34
